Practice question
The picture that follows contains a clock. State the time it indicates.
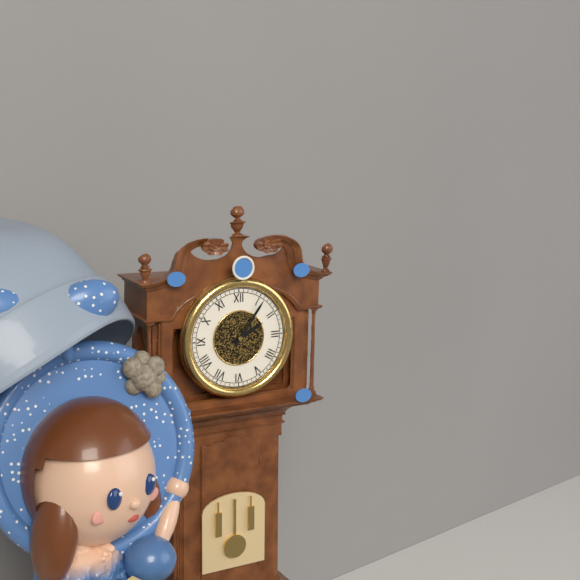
2:06
